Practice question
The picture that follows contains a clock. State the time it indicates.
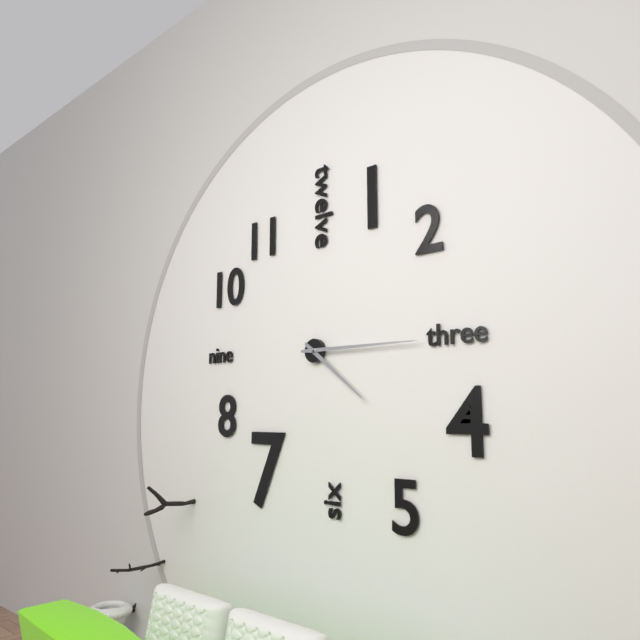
4:15
